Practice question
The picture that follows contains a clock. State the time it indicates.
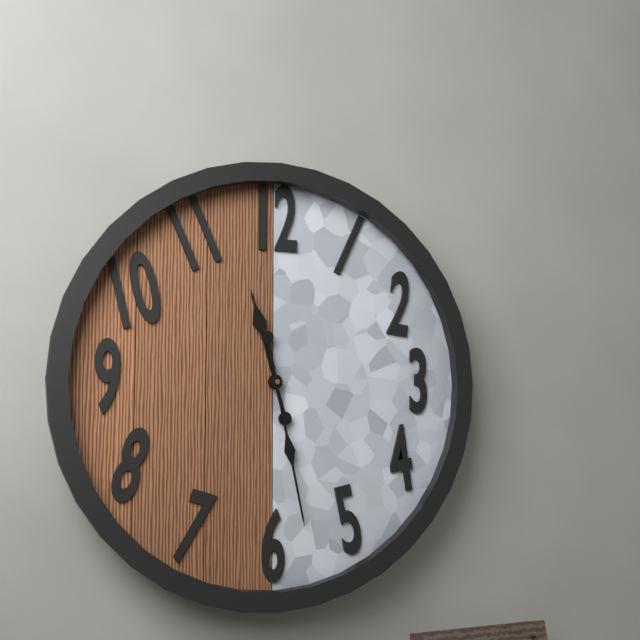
11:28
